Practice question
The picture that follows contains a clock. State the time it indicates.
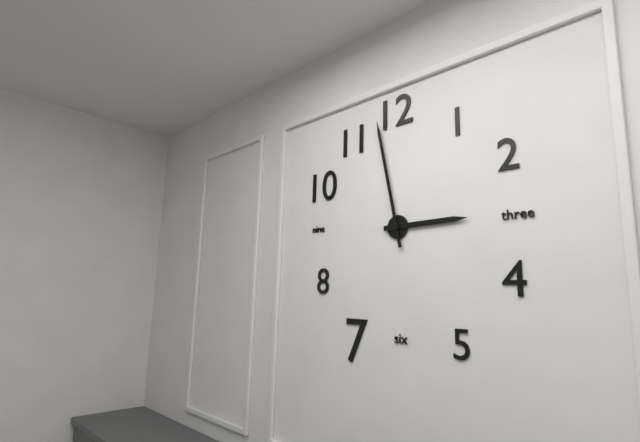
2:58
